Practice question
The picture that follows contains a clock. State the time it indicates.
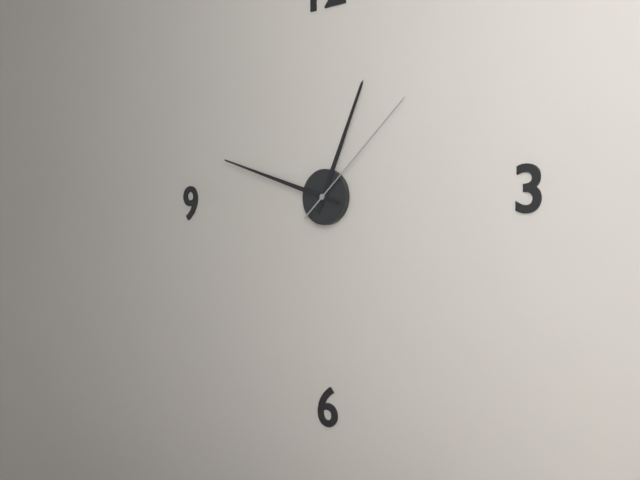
12:48:08
